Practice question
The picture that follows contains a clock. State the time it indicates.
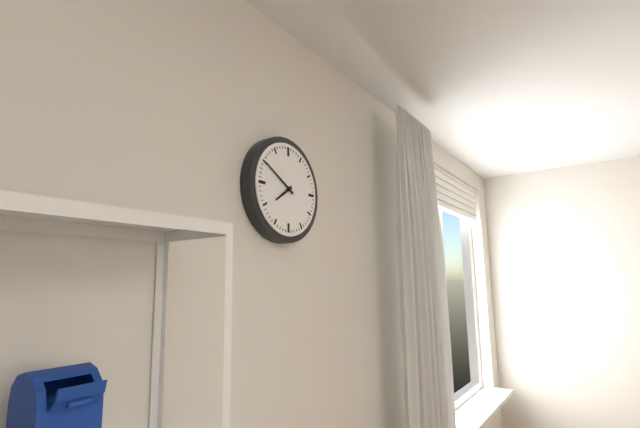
7:50
